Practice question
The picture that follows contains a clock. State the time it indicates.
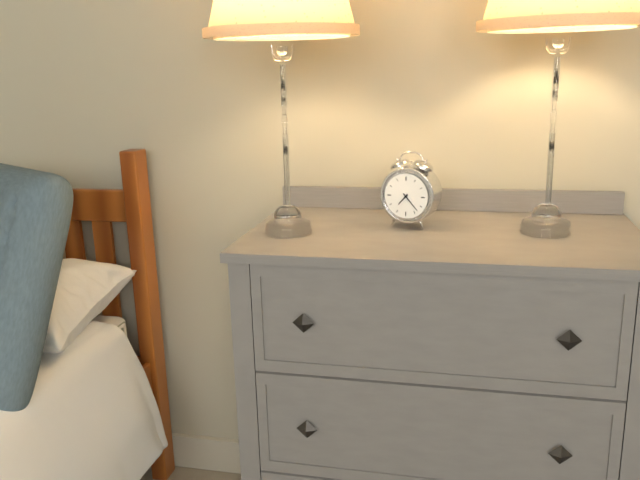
7:23
